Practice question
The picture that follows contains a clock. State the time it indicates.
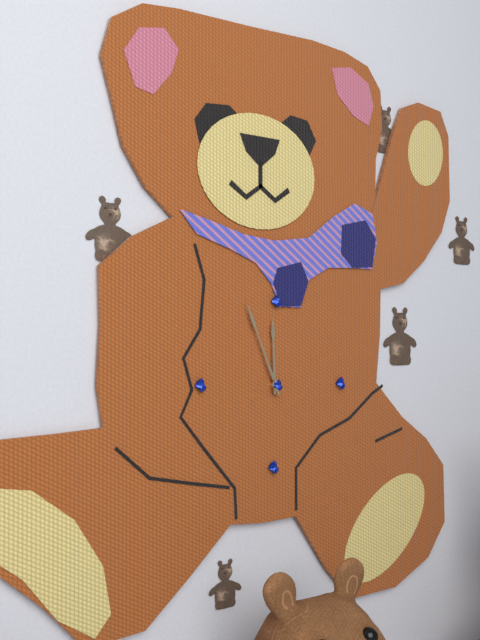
11:56
